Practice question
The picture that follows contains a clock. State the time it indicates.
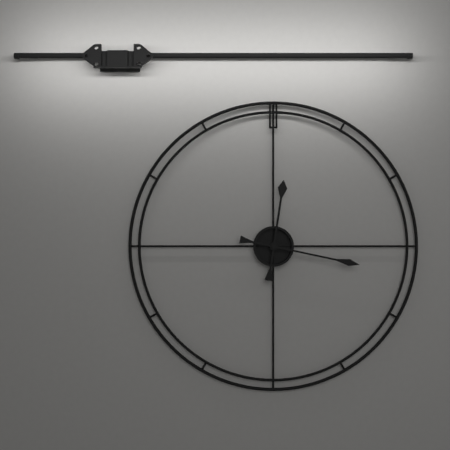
12:17
